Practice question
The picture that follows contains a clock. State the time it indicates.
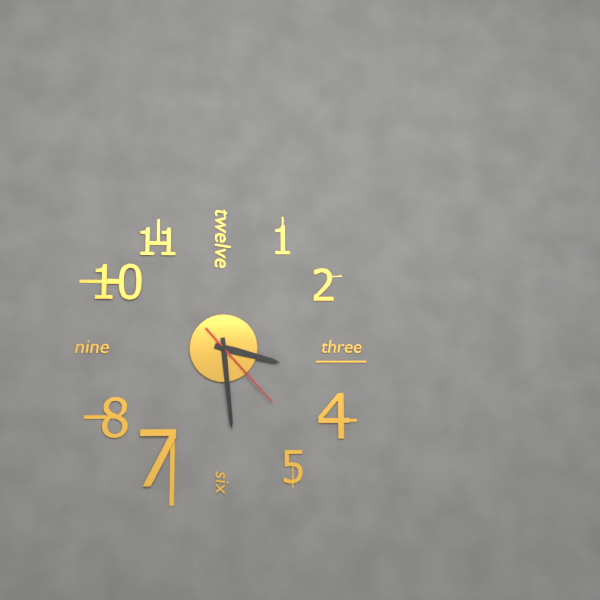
3:29:23
